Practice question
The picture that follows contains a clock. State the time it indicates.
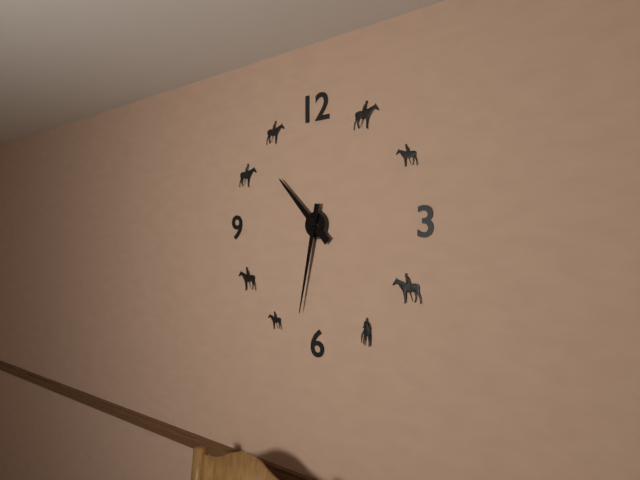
10:32
